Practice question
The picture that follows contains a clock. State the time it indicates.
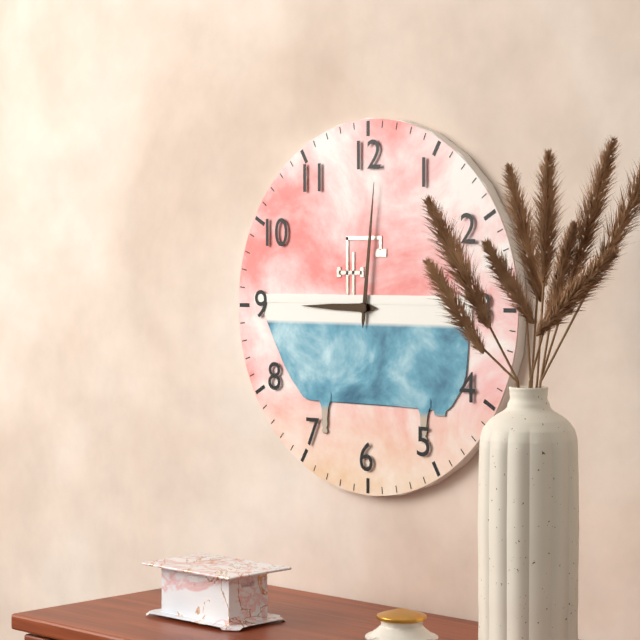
9:01
